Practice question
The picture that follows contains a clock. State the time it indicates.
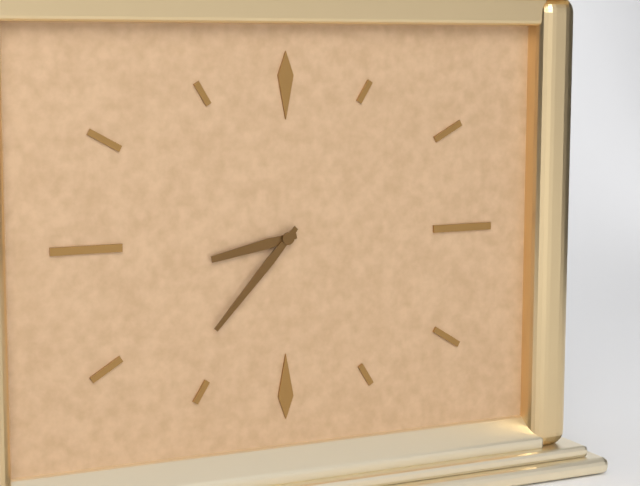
8:37
